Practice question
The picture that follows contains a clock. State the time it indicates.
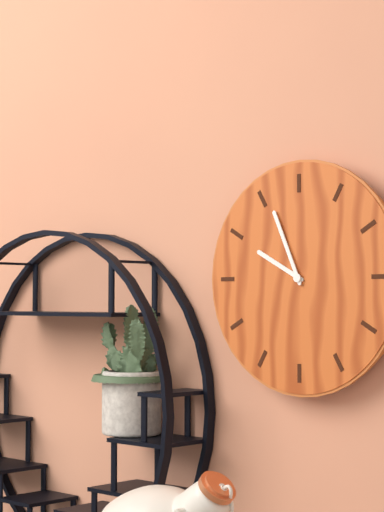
9:56
